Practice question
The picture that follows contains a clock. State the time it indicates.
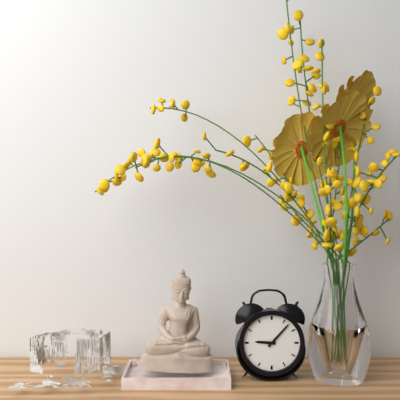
9:07
